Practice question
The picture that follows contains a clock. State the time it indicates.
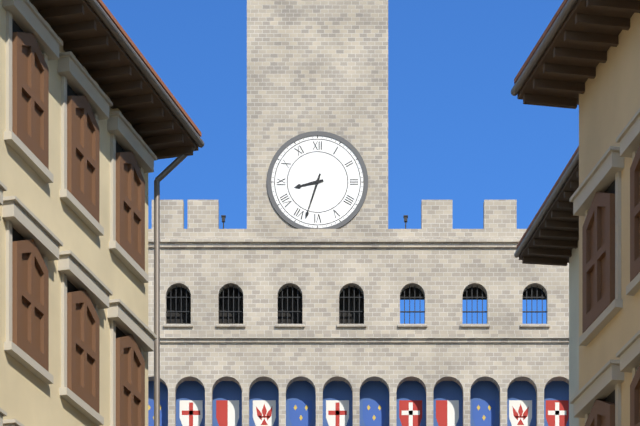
8:33
